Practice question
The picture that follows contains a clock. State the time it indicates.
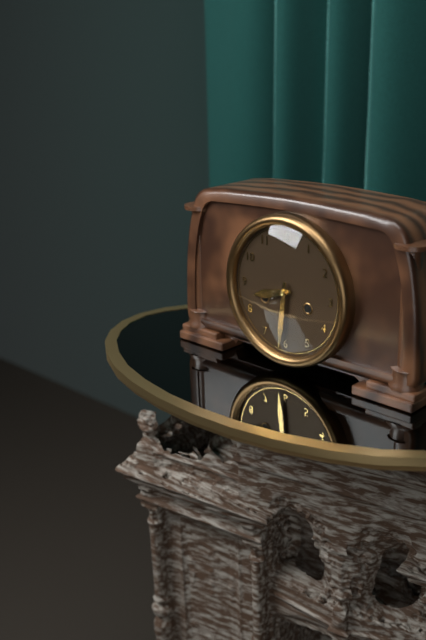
8:31
